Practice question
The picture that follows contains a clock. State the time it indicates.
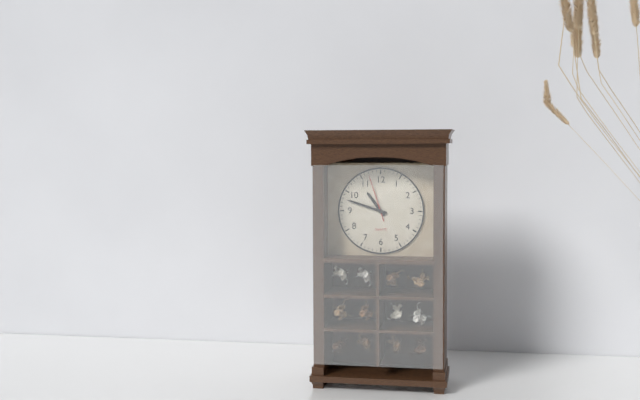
10:48
